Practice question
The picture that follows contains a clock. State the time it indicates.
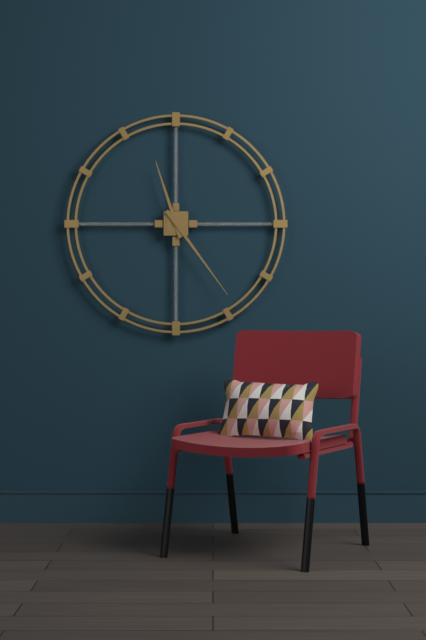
11:24
